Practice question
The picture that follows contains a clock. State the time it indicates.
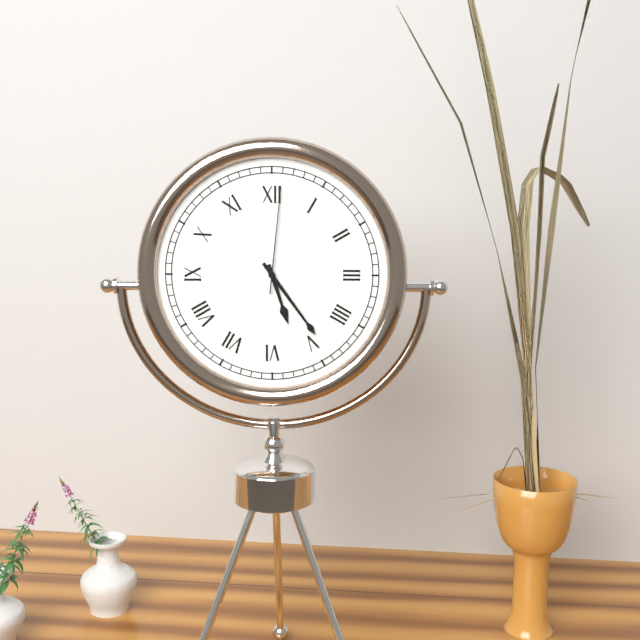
5:24:01
